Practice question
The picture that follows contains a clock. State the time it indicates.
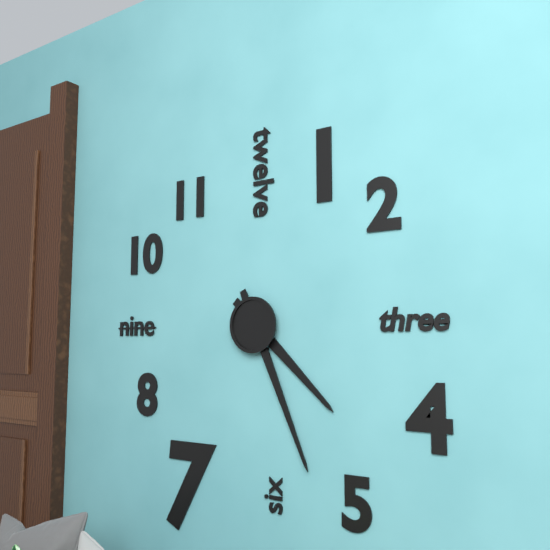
4:26
